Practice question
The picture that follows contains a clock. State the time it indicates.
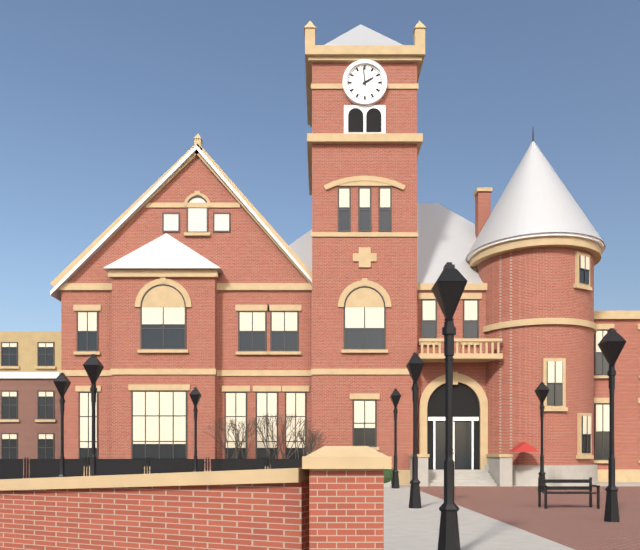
1:59
